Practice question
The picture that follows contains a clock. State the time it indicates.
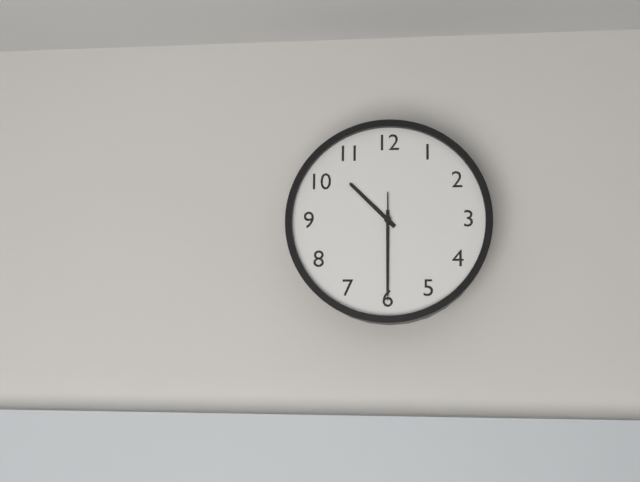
10:30:30
